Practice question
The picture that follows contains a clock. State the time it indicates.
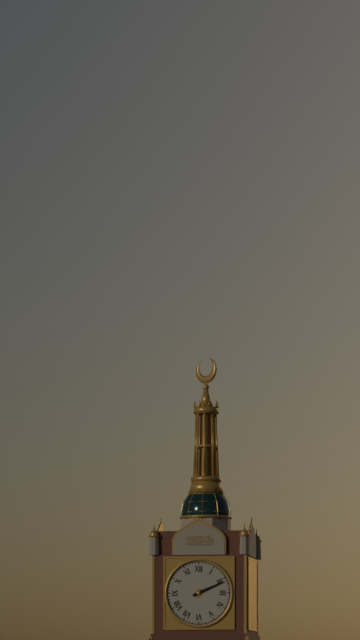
2:11
